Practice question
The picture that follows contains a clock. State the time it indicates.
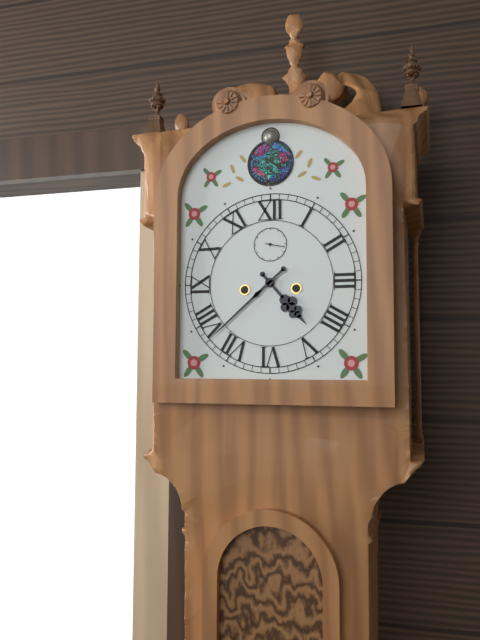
4:38
